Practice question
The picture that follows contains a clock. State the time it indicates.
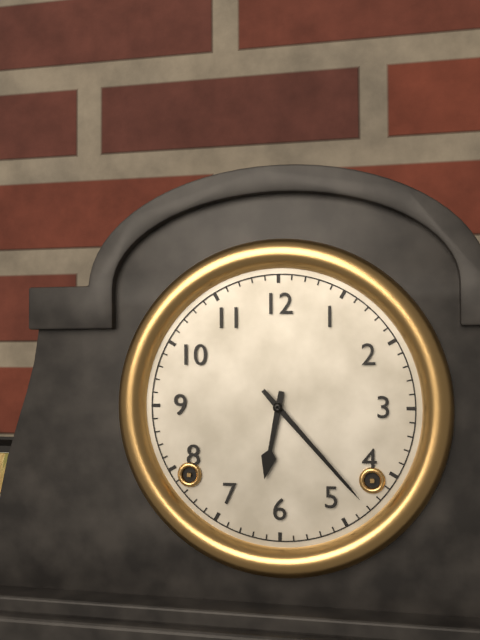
6:23
